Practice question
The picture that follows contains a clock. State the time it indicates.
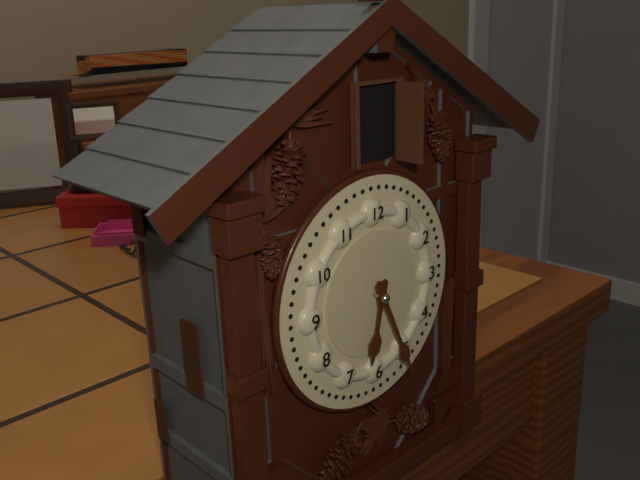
6:26
